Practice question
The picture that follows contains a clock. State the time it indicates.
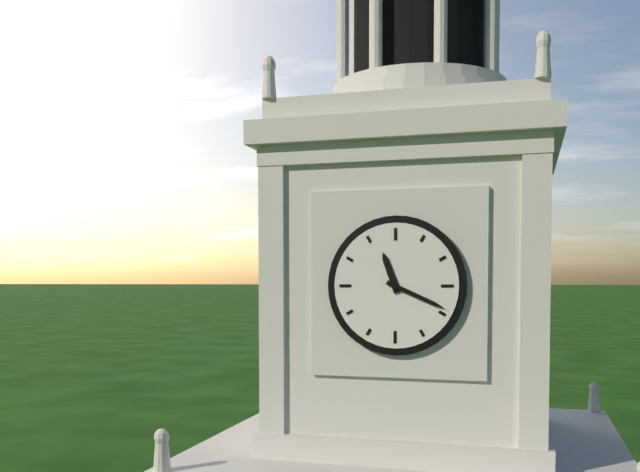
11:19
